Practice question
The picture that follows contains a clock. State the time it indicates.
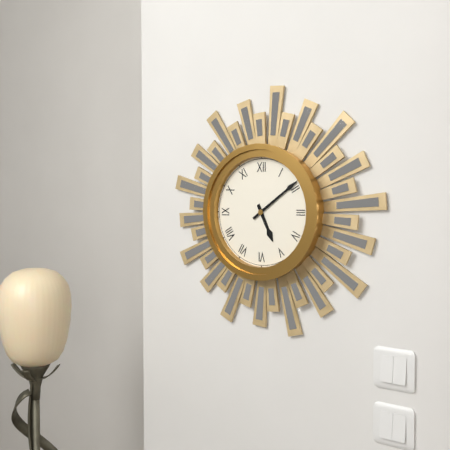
5:09
